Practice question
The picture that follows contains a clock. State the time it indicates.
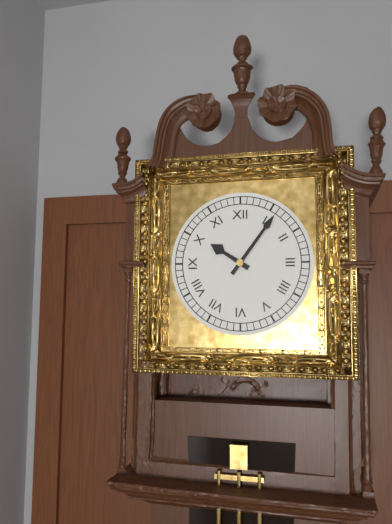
10:06
